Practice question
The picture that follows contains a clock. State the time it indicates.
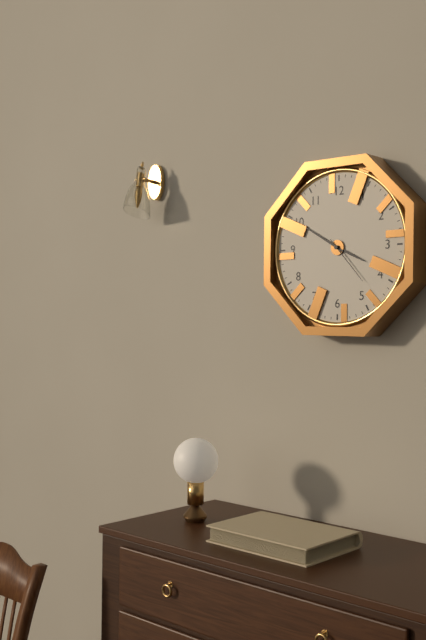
3:50:23
